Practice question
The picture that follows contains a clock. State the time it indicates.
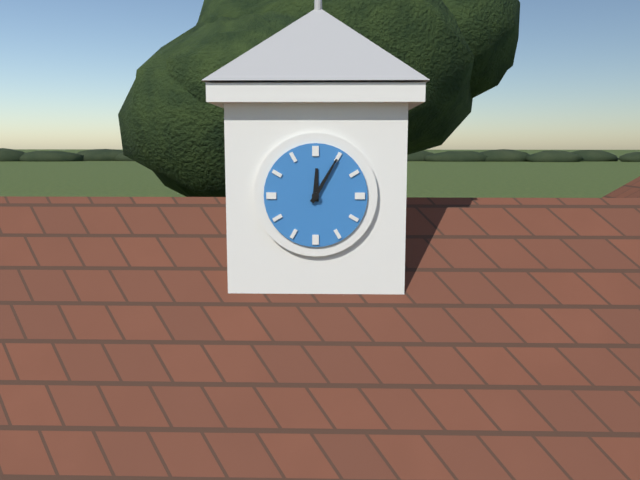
12:05
